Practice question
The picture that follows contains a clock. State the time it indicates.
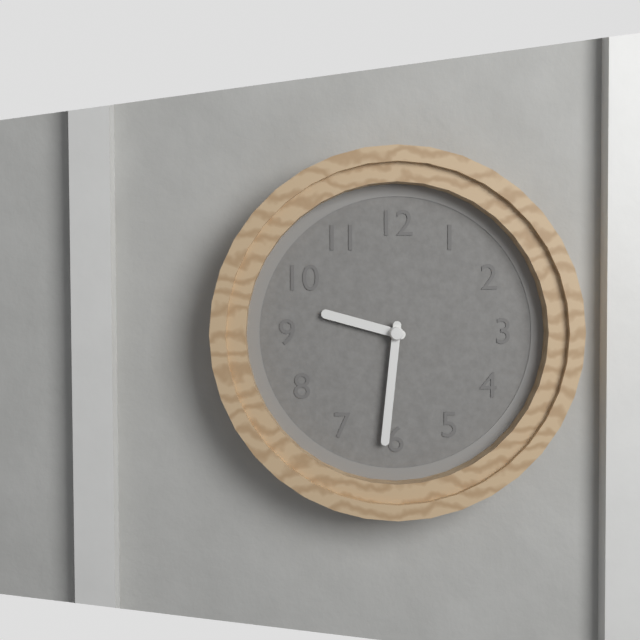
9:31
